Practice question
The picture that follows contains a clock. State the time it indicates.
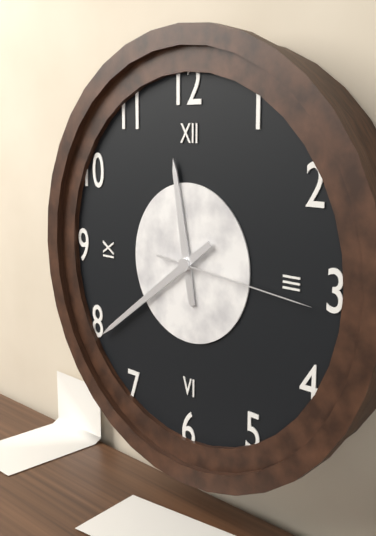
11:39:16
